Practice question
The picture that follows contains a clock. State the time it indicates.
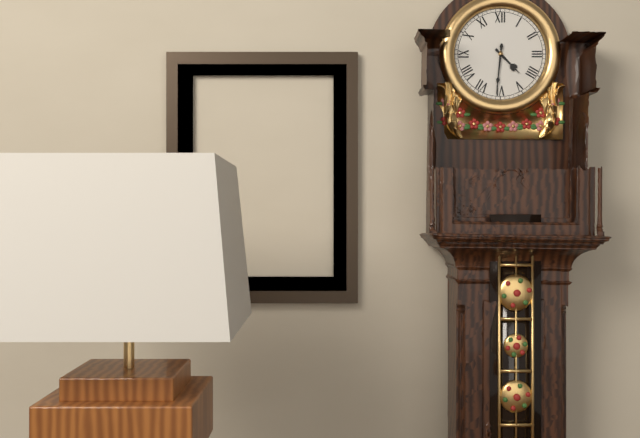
4:31
